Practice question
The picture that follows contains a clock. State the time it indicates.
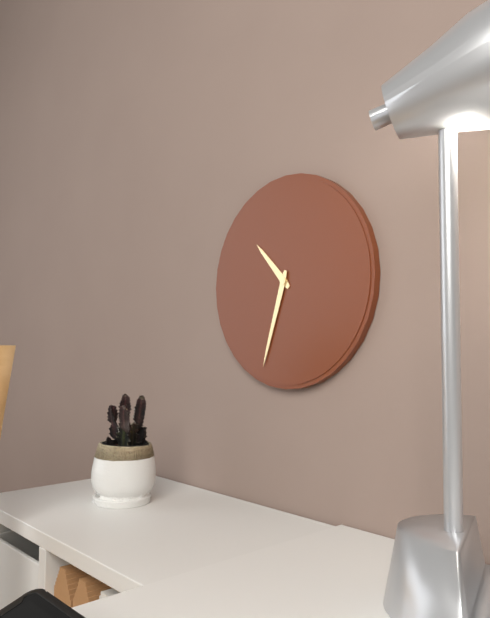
10:33
